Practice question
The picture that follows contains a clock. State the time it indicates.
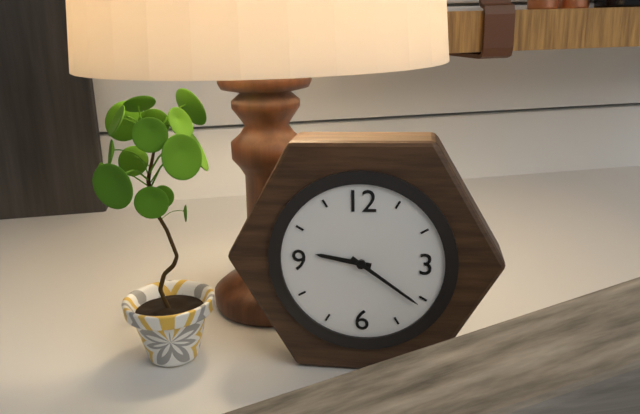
9:21
